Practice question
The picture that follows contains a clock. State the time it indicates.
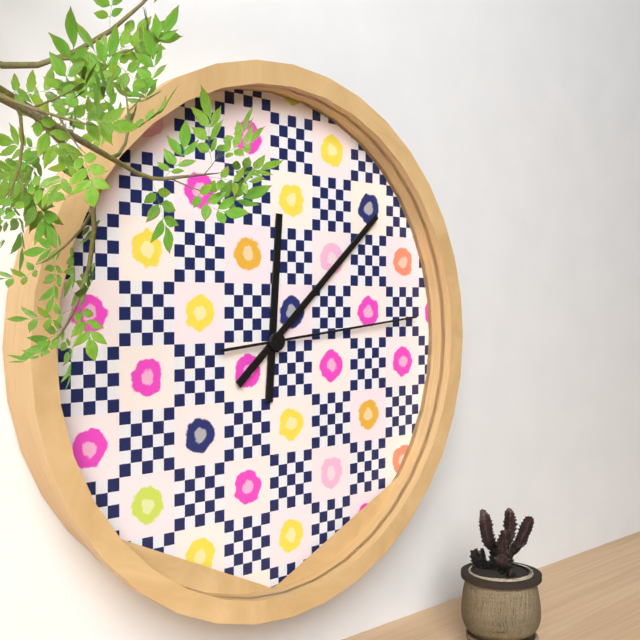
12:08:14
